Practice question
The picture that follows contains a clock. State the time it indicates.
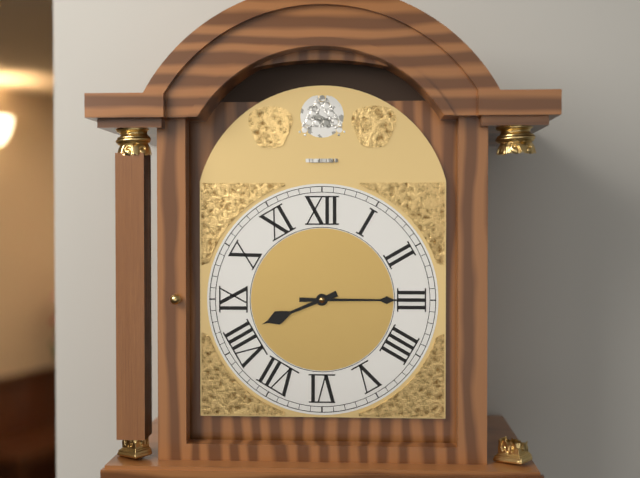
8:15
